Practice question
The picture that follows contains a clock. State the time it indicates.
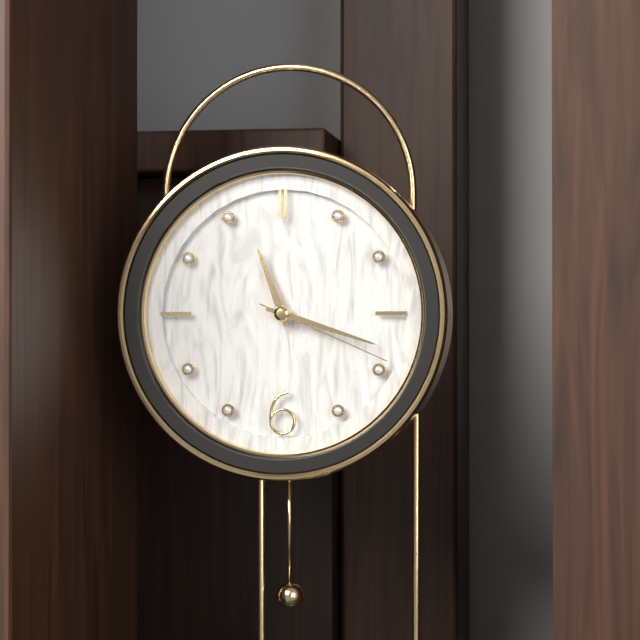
11:18:19
